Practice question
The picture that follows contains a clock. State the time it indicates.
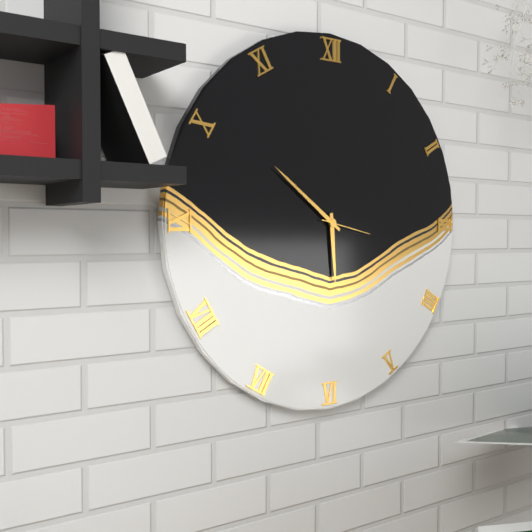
5:51:17
